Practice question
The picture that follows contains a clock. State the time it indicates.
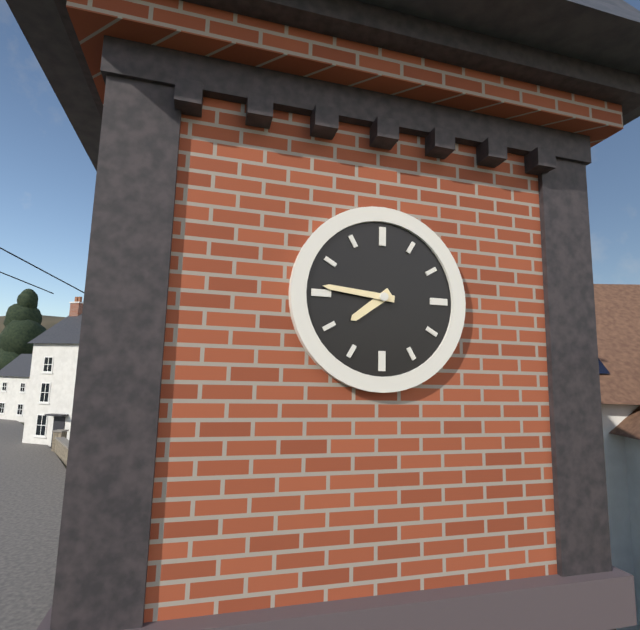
7:46
